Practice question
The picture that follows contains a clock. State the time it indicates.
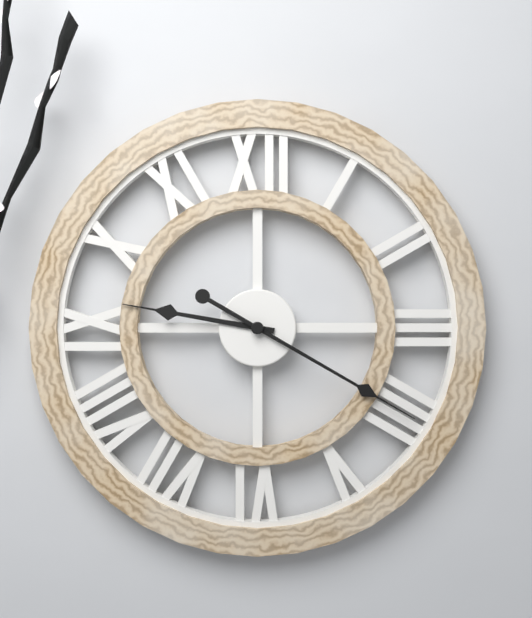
9:20
